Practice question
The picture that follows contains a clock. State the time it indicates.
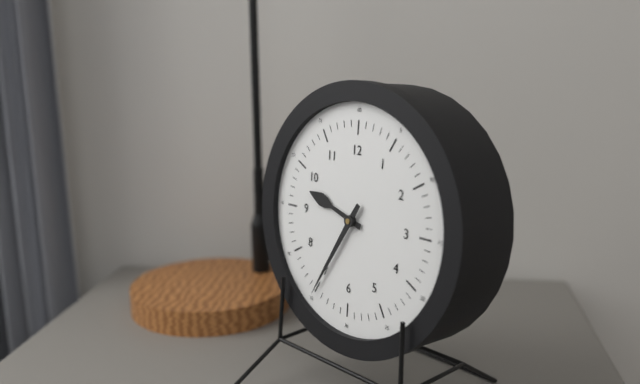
9:35
